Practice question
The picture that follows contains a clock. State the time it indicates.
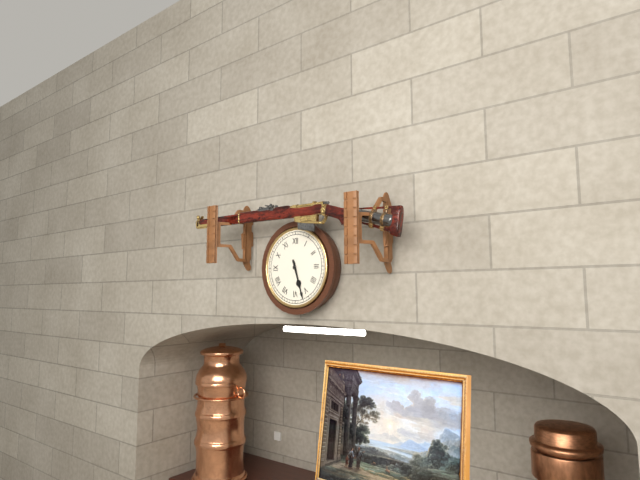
5:27
